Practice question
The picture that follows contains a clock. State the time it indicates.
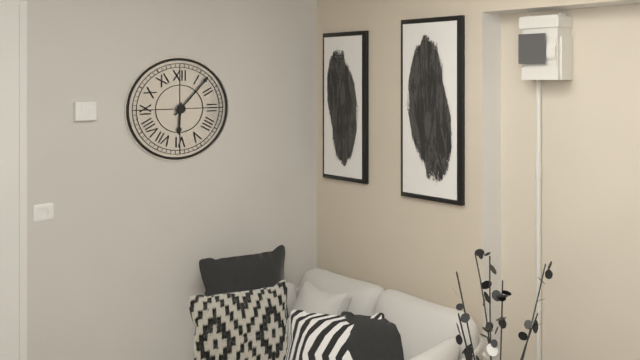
6:07
